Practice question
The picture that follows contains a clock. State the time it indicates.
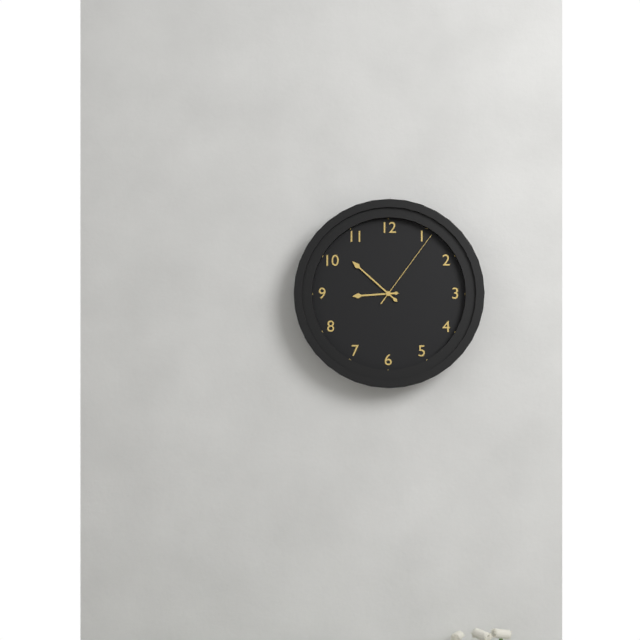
8:52:06
